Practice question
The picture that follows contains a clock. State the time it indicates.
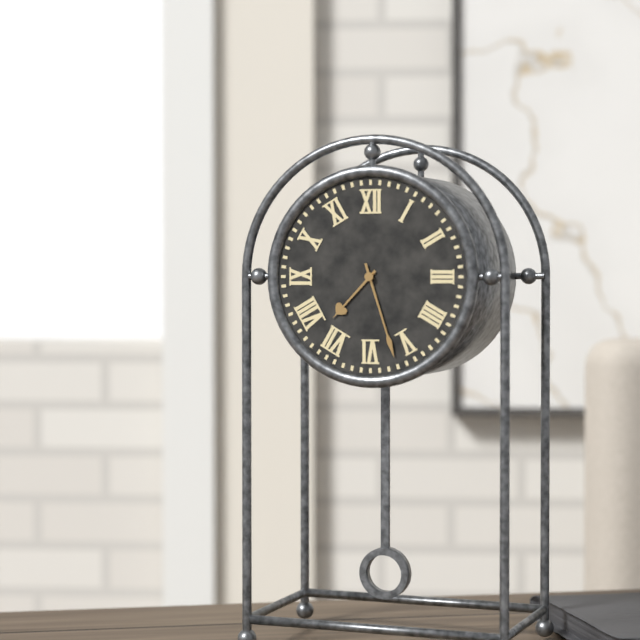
7:27
